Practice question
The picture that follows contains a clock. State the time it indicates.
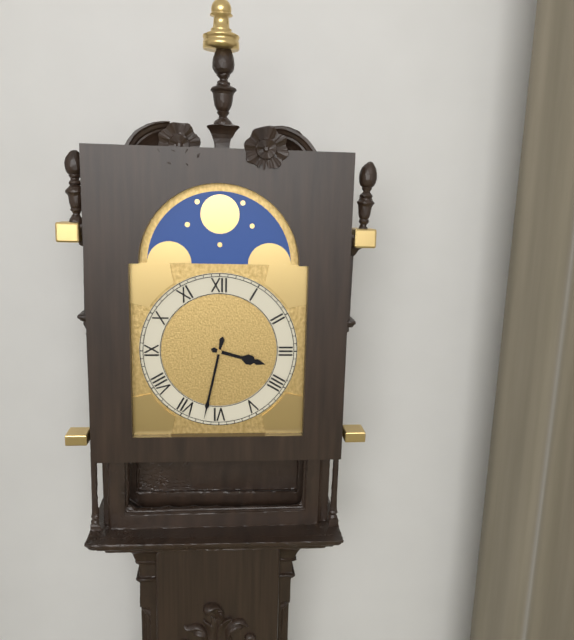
3:32
